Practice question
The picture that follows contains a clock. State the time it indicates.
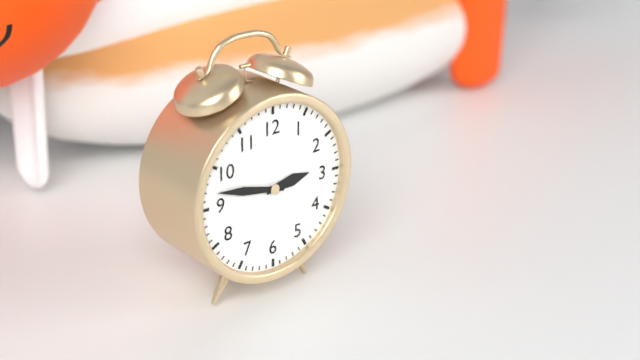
2:47
